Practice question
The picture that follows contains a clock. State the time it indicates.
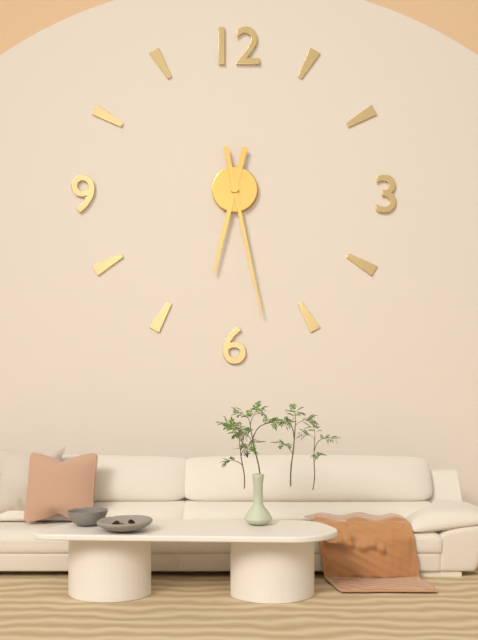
6:28
